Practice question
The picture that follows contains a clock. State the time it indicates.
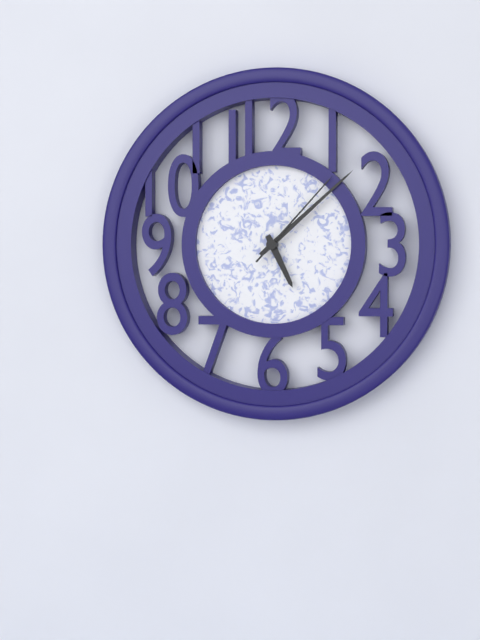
5:08:07
